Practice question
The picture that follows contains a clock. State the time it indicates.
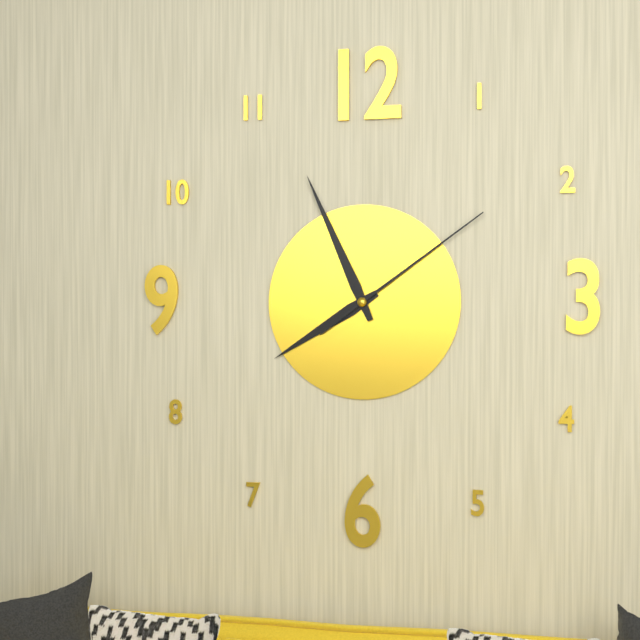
7:56:09
